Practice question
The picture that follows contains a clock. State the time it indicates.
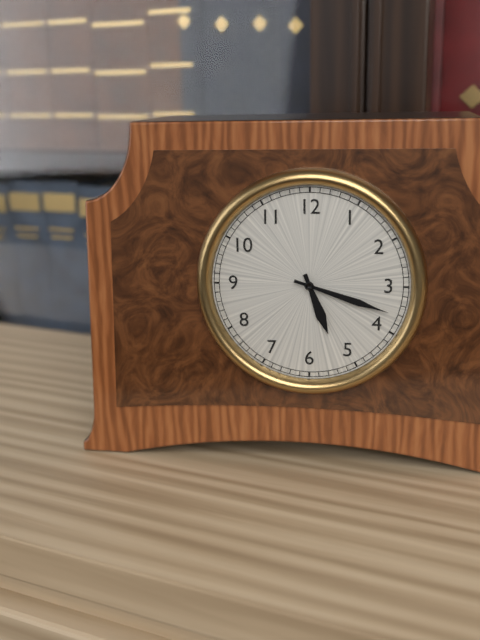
5:18
